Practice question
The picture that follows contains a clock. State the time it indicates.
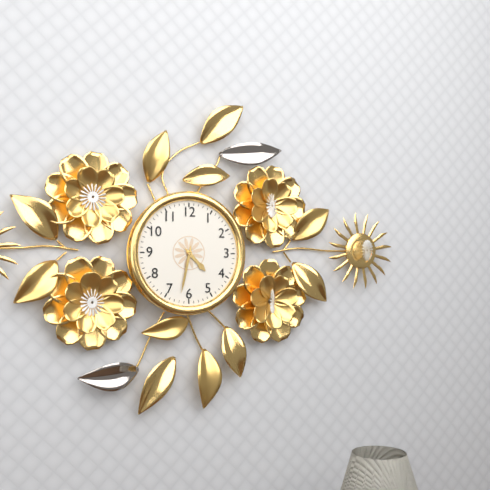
4:32
